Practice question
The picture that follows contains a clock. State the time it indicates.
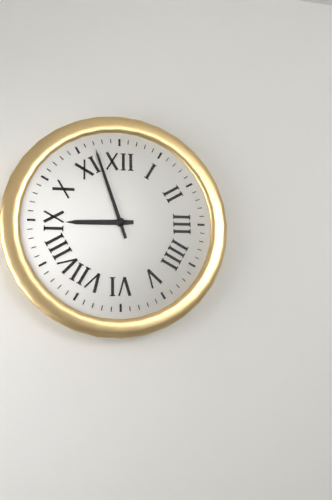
8:57
